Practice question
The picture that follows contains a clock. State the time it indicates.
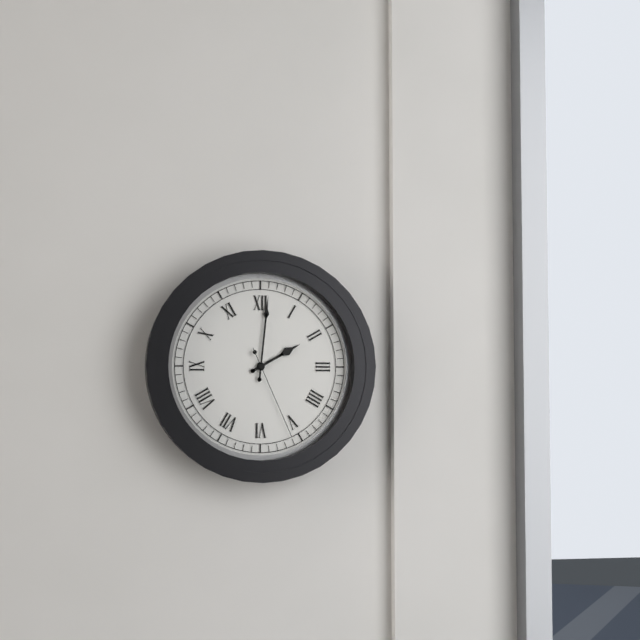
2:01:26
